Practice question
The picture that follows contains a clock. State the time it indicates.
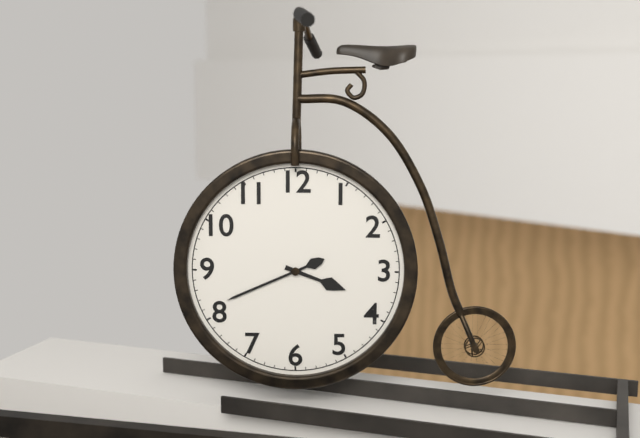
3:41
